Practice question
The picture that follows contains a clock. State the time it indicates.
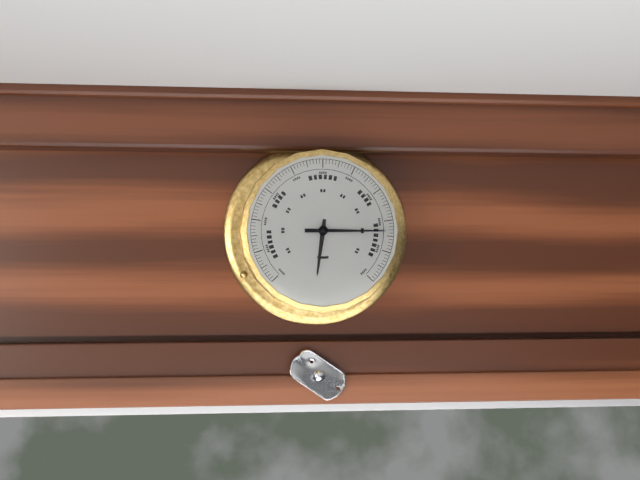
6:15
